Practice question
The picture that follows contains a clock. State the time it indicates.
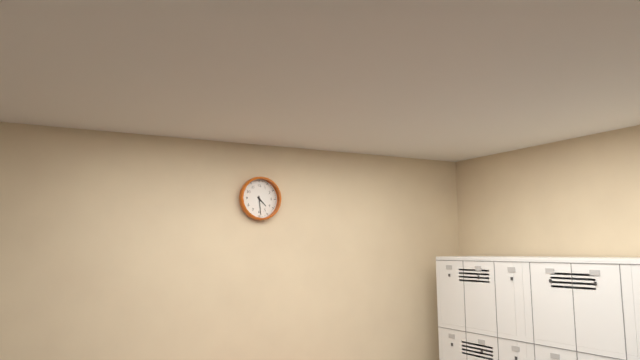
4:29
